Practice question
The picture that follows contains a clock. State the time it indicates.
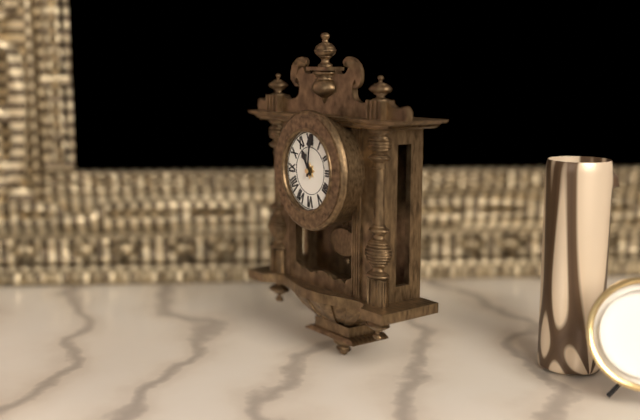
11:01
